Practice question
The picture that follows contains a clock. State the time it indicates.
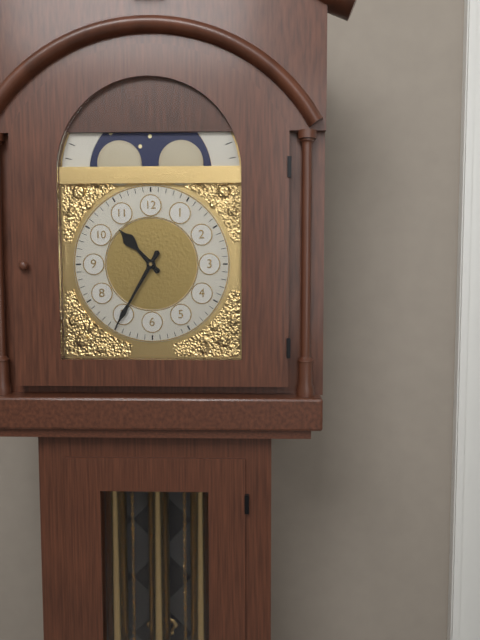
10:35
